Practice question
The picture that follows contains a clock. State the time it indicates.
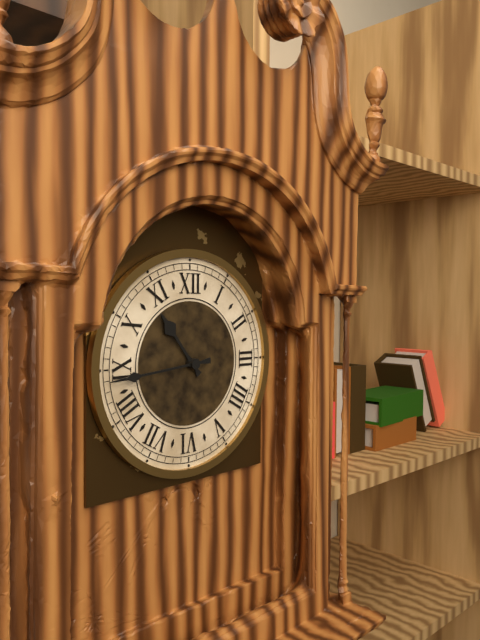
10:44
